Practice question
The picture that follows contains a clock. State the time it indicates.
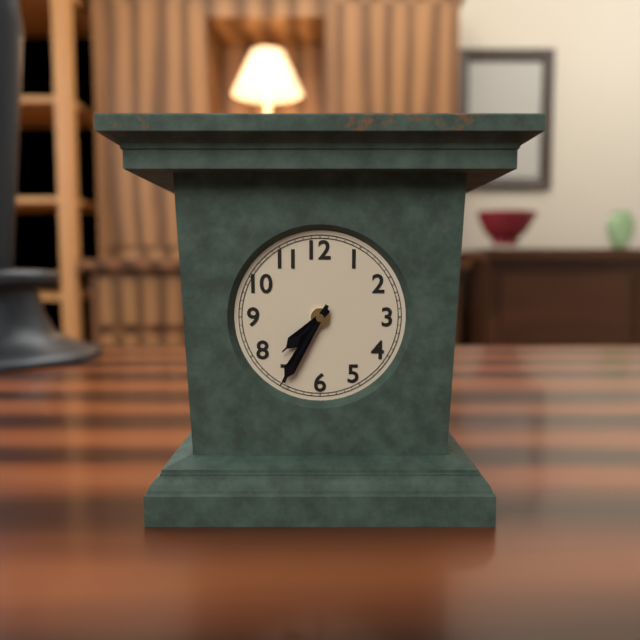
7:35
